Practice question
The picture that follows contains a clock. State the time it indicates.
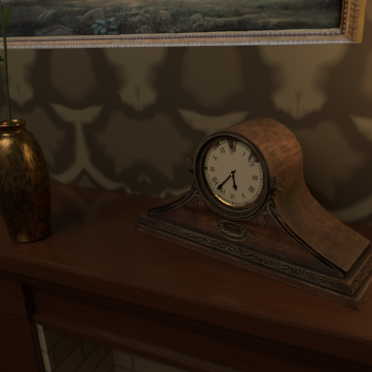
5:37
